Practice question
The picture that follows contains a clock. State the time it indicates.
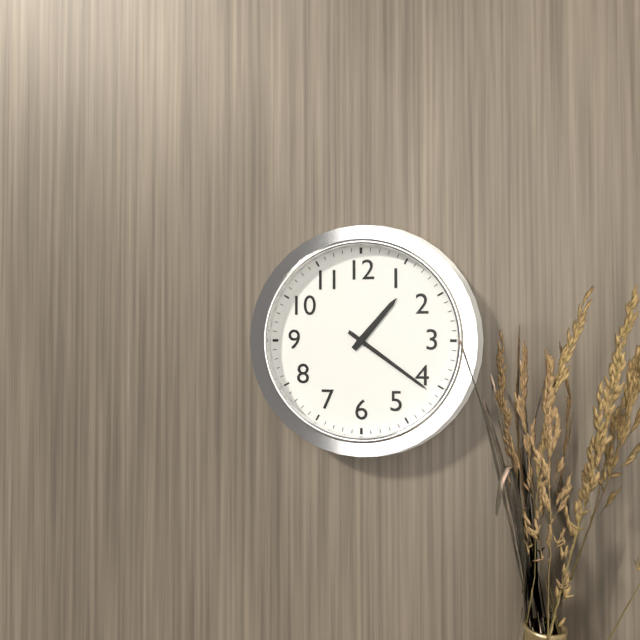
1:21
